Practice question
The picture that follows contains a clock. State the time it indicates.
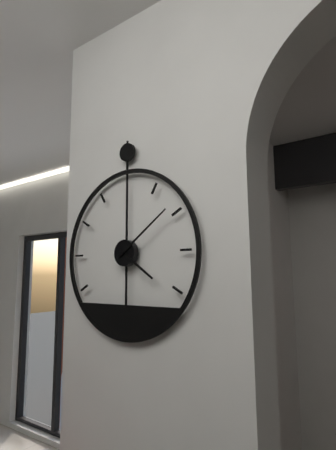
4:09
